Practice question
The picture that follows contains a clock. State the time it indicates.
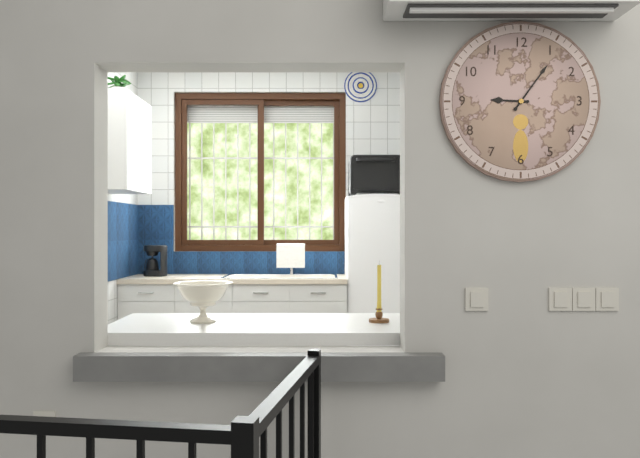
9:06
